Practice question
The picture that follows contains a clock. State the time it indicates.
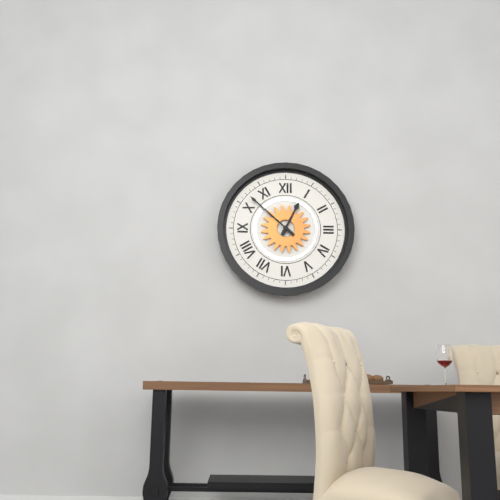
12:52
